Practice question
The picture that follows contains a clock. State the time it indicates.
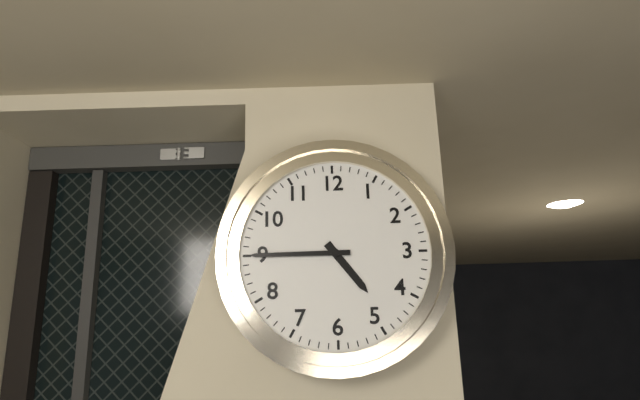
4:45
